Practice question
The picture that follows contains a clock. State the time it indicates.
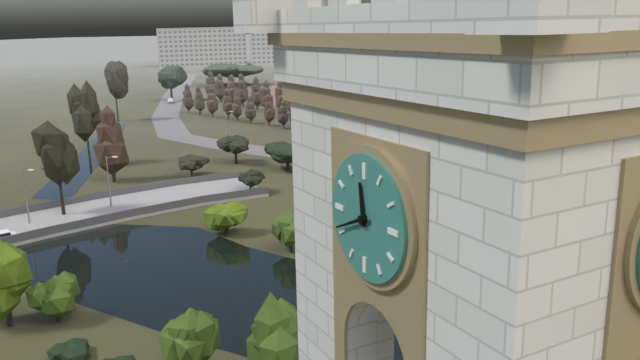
11:41
